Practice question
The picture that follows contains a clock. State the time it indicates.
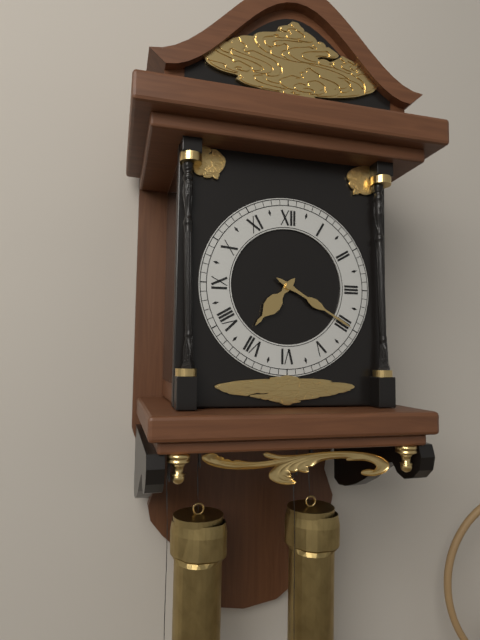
7:20
